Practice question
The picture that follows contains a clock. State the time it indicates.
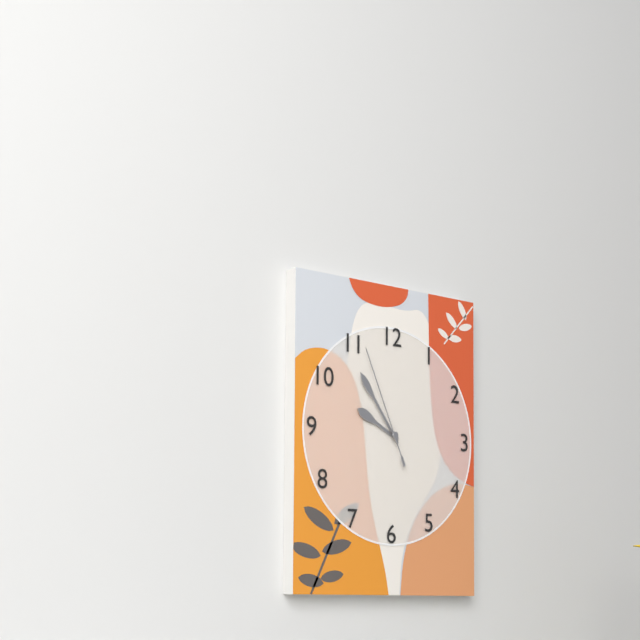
9:54:56
